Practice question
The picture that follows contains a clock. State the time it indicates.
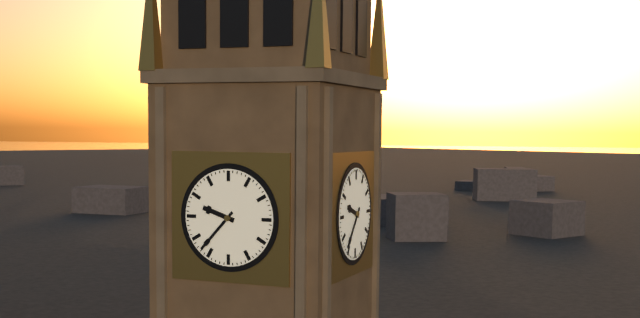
9:37
